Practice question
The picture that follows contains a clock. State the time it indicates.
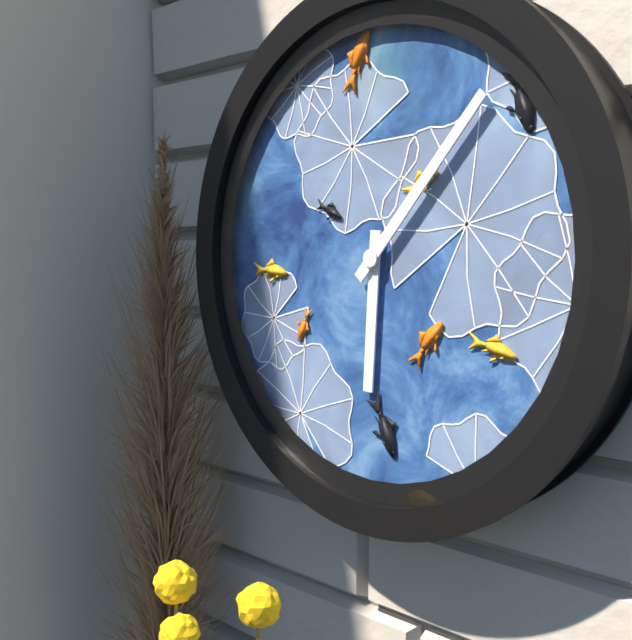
6:07
